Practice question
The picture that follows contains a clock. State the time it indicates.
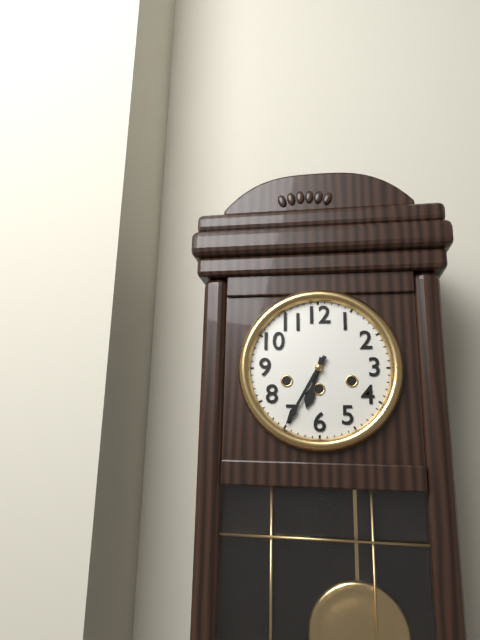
6:35
